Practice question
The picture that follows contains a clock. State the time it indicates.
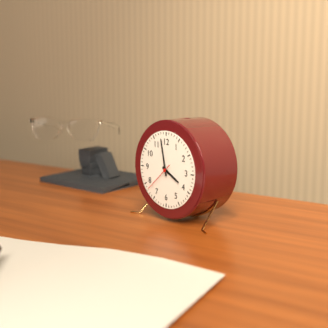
3:58
